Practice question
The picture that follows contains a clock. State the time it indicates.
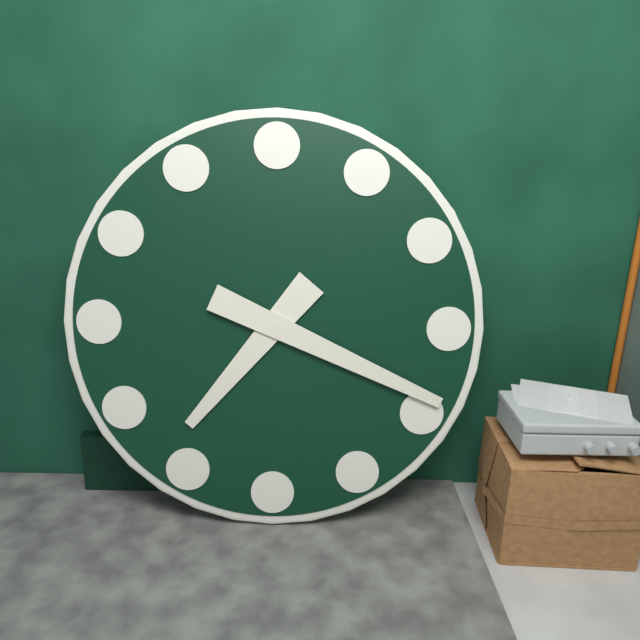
7:19
